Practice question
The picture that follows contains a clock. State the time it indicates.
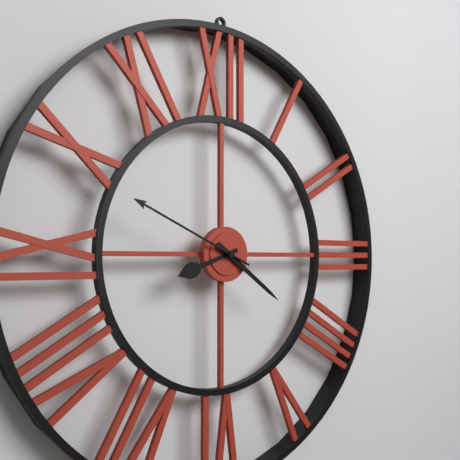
8:21:49
